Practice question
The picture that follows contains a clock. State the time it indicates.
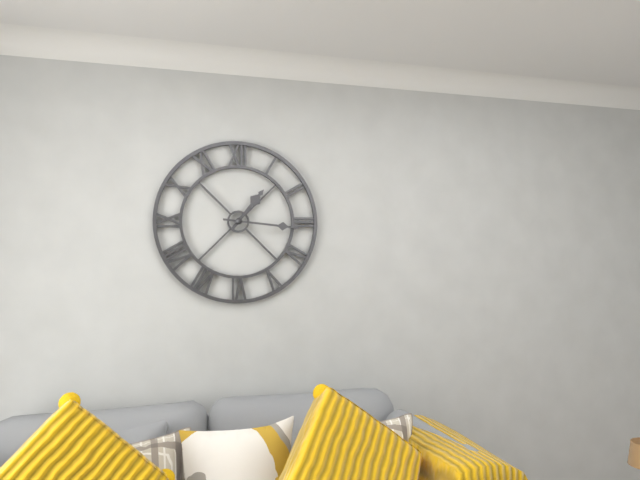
1:16
